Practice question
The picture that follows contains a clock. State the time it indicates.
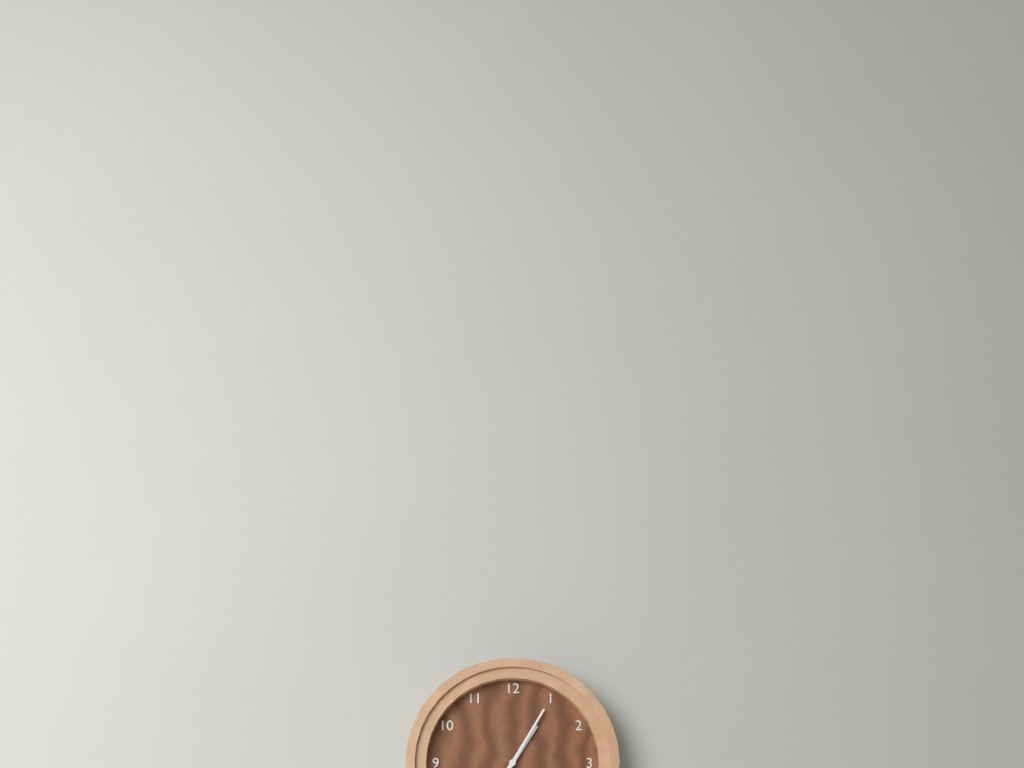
1:05
